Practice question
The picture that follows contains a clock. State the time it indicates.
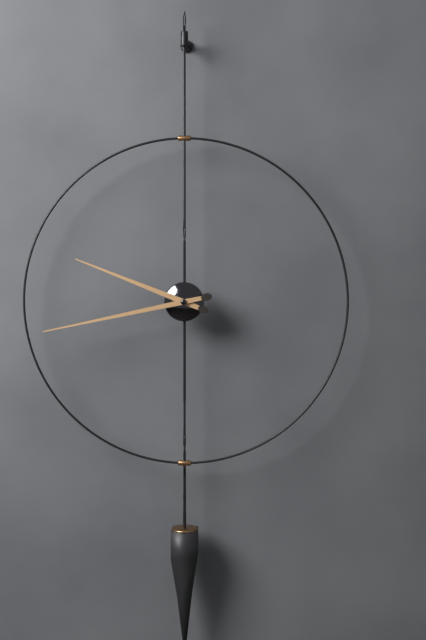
9:43
